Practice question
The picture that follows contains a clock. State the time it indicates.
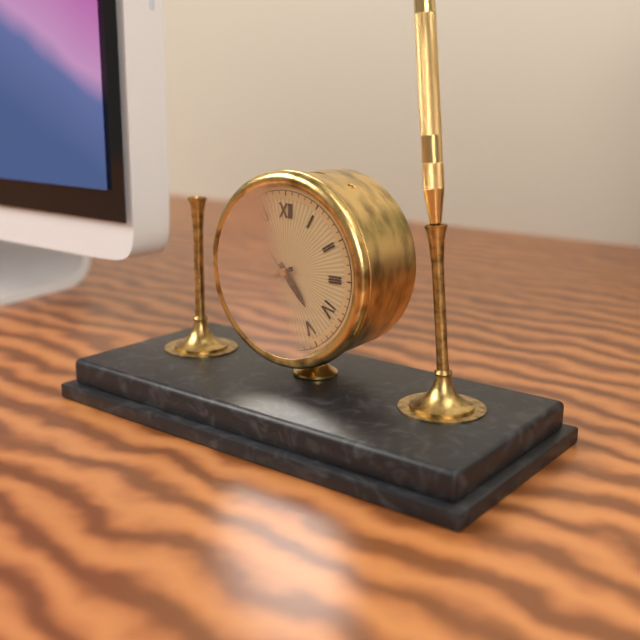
4:41:53
